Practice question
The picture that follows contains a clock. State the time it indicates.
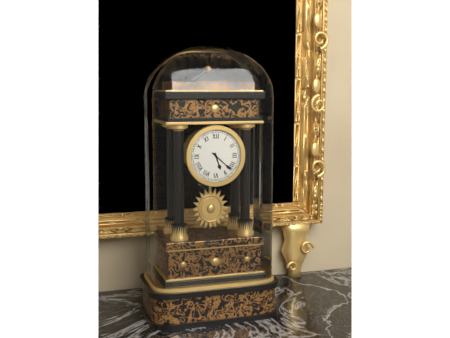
5:22
